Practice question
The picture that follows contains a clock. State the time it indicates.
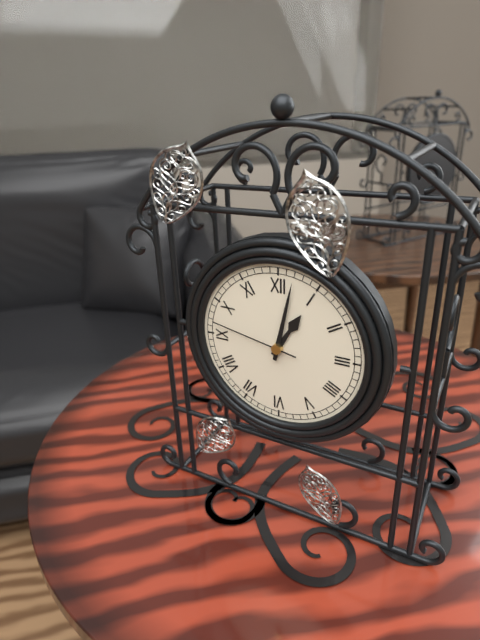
1:02:47
